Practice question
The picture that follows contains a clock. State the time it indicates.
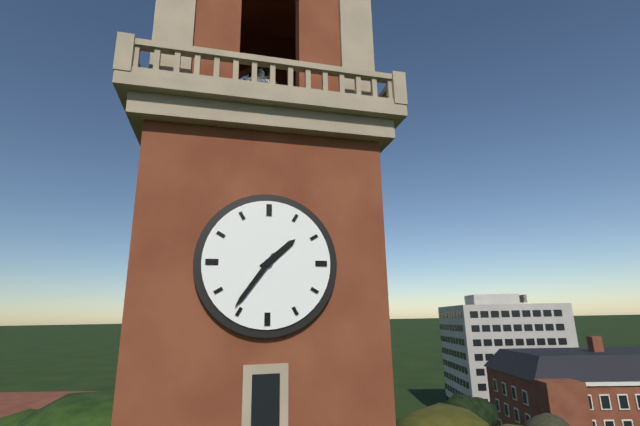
1:36
